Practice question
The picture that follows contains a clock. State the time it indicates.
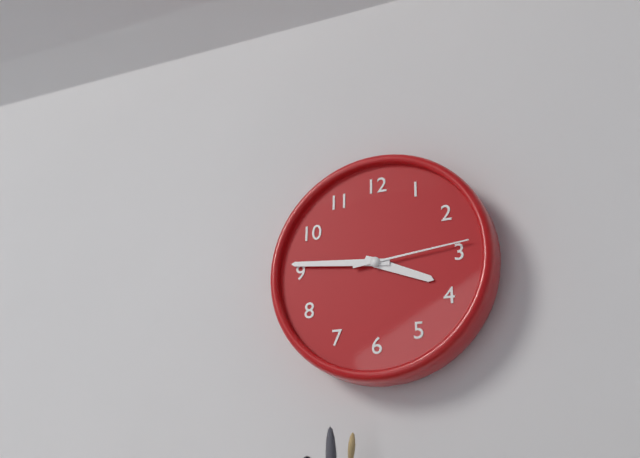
3:46:14
